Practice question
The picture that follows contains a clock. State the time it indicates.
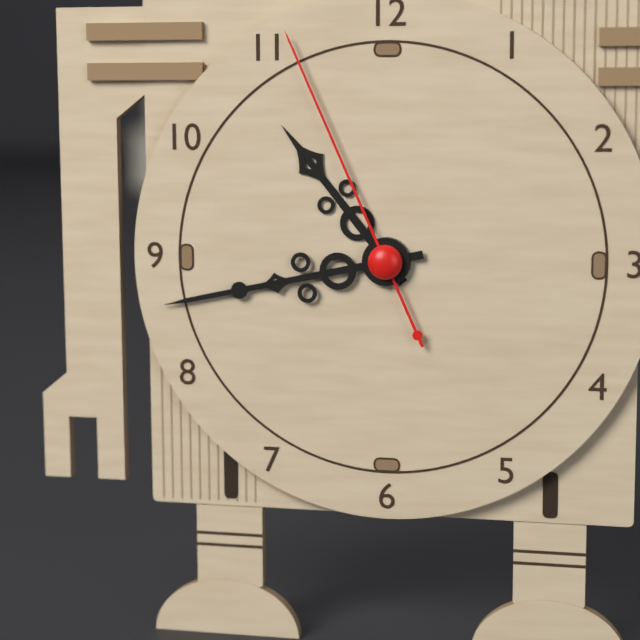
10:43:56
